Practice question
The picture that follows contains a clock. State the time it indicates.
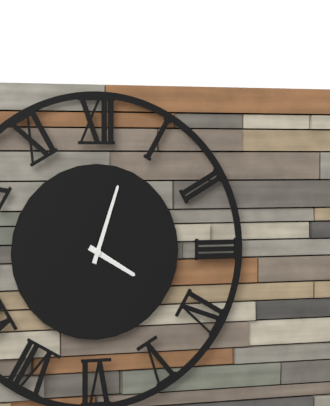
4:03
